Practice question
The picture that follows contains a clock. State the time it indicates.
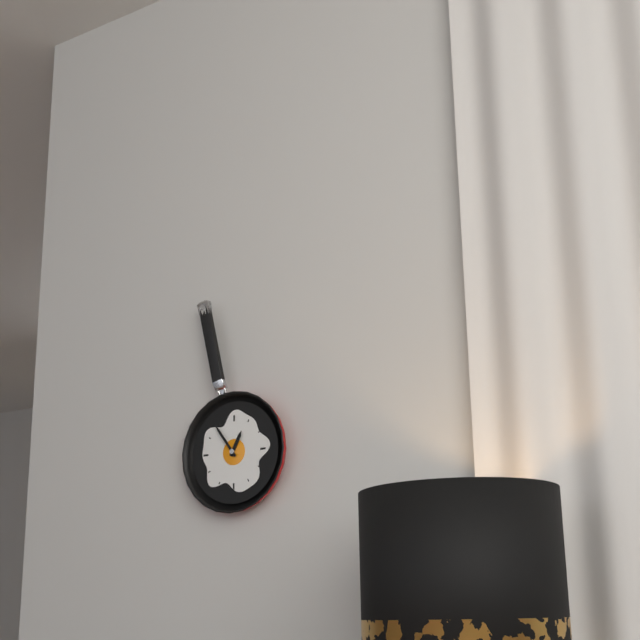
12:54
